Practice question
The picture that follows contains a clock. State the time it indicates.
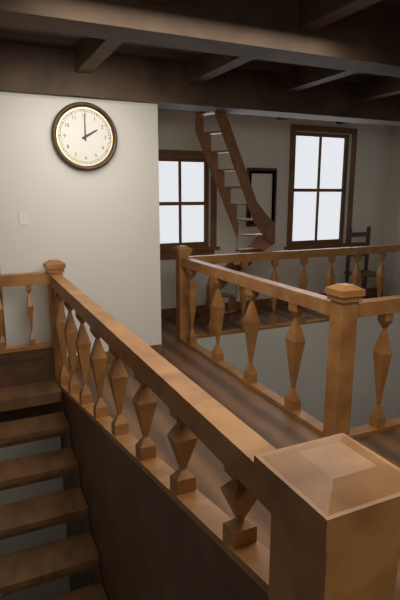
2:00
